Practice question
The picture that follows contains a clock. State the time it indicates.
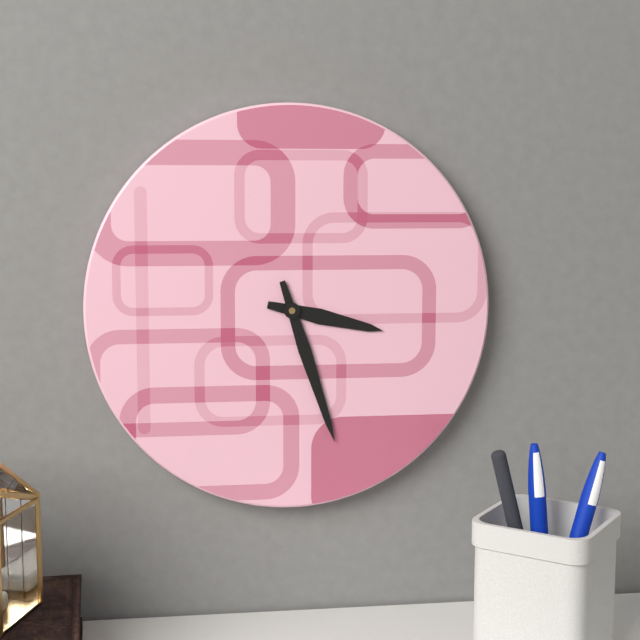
3:27
